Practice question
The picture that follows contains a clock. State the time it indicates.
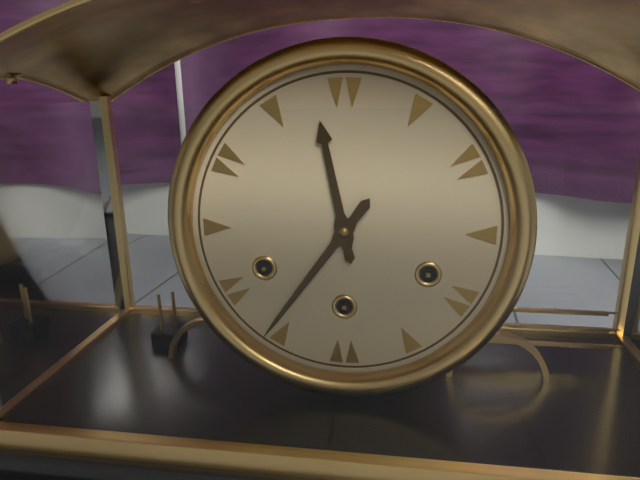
11:36
